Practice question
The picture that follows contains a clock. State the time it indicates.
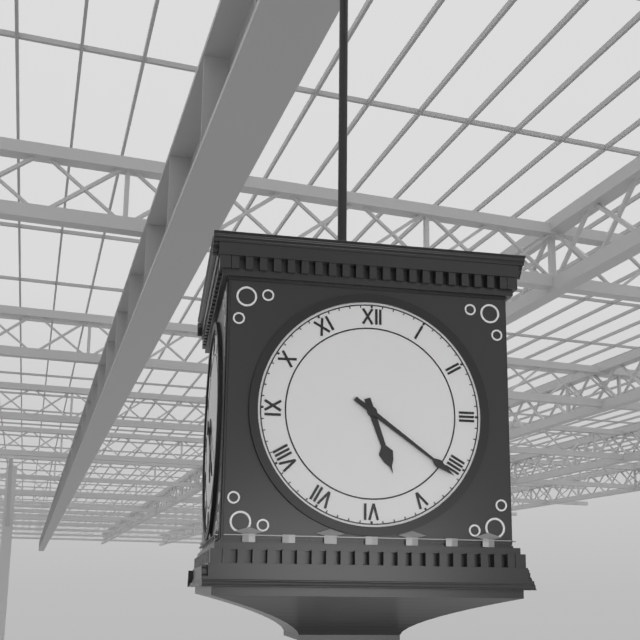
5:21
